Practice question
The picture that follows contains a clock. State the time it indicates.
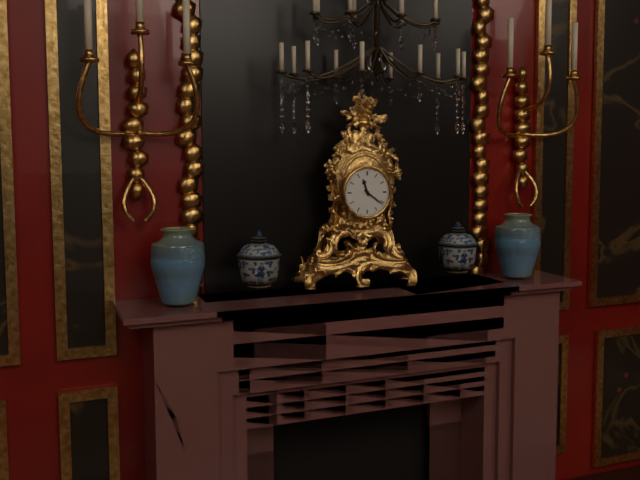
11:21
